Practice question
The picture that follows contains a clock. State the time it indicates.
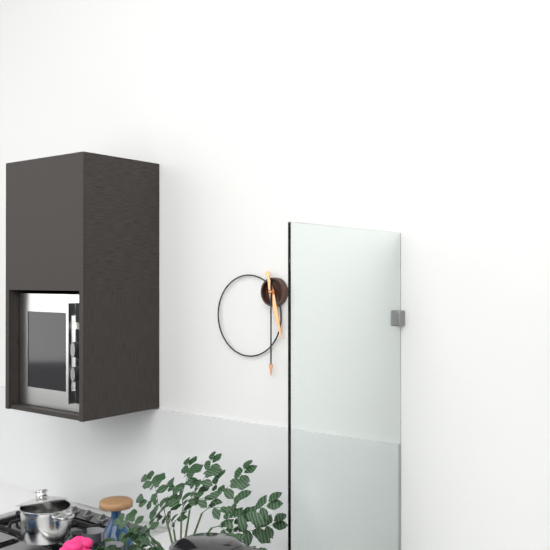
5:30
